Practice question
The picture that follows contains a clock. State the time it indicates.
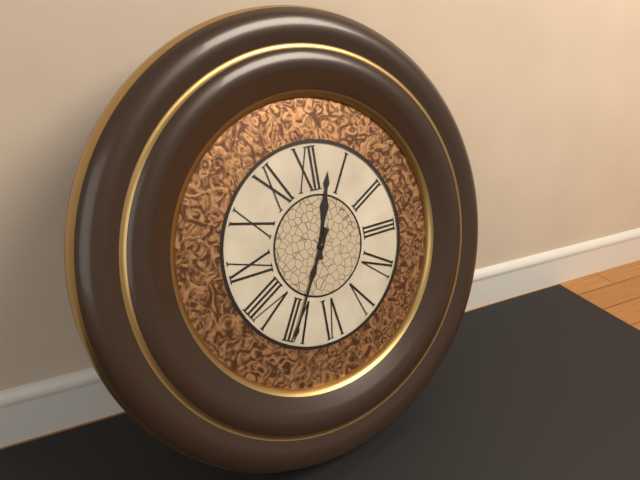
12:35
